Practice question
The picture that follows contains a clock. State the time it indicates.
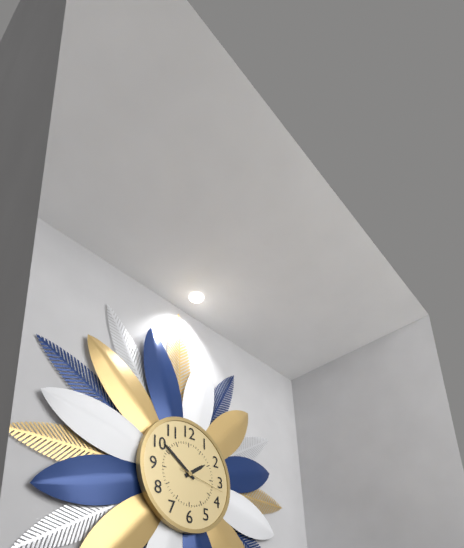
1:51:17
